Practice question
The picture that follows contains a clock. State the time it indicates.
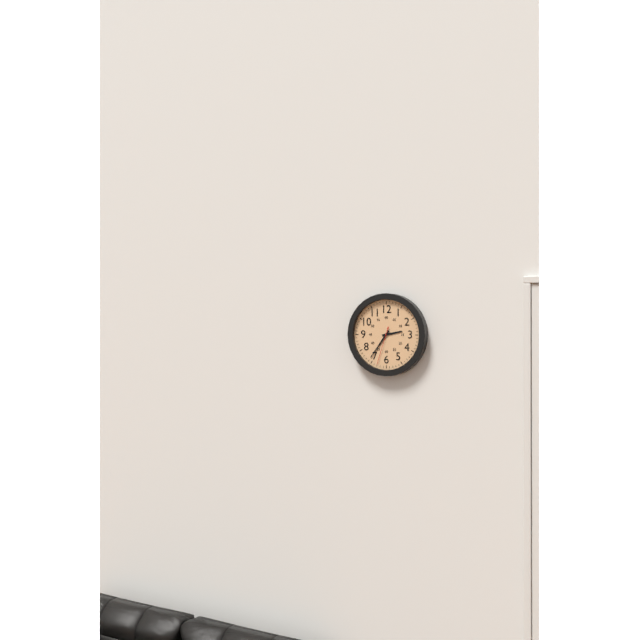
2:36
